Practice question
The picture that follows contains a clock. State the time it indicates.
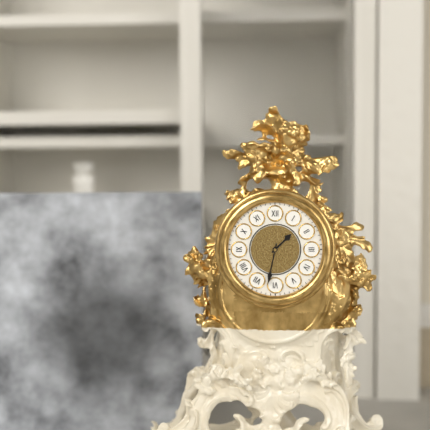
1:32
